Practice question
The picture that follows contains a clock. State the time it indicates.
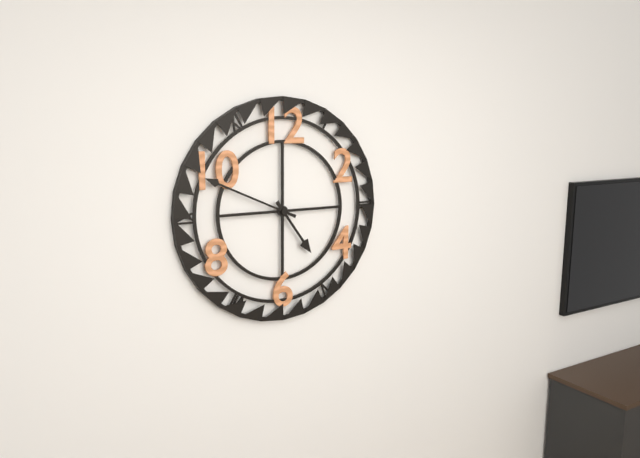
4:49
